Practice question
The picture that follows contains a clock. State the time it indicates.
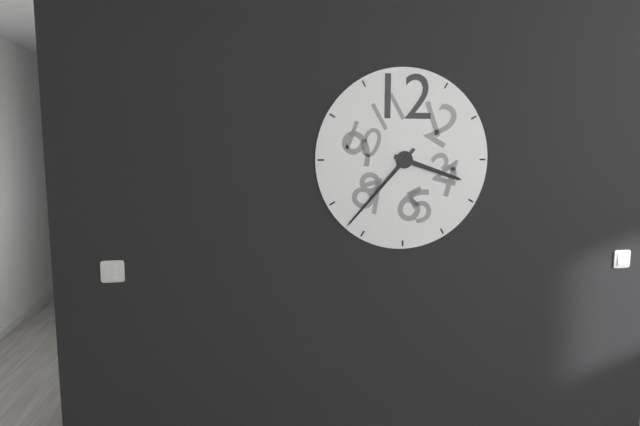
3:37
